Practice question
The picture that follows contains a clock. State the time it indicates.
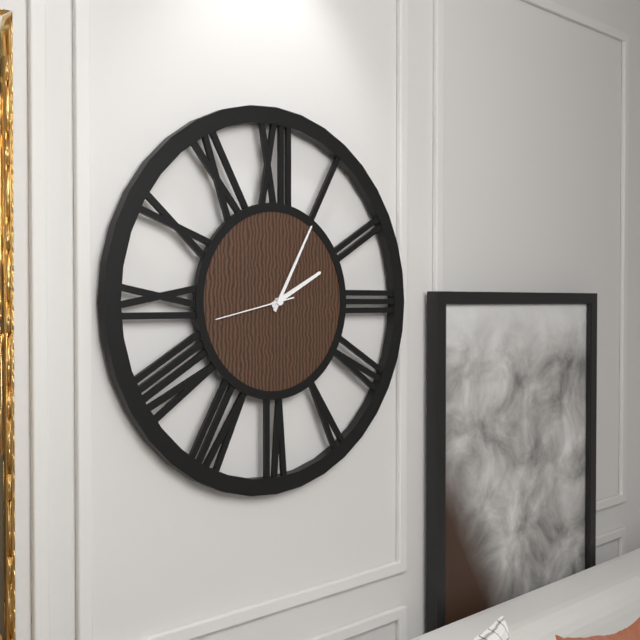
2:05:43
